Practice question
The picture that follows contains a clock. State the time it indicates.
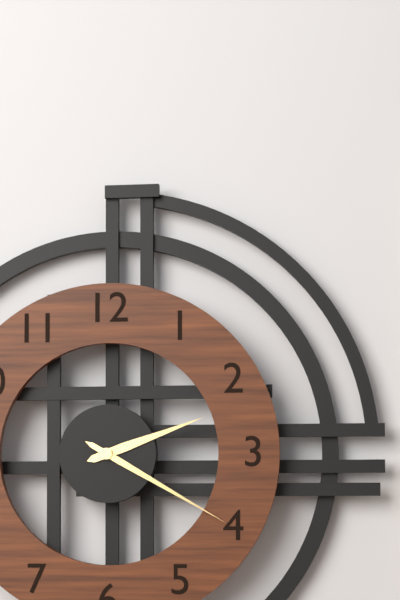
2:20
